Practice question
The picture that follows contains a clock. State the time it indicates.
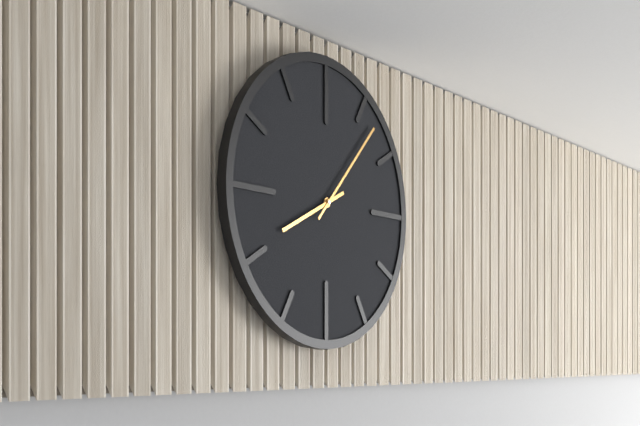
8:07
